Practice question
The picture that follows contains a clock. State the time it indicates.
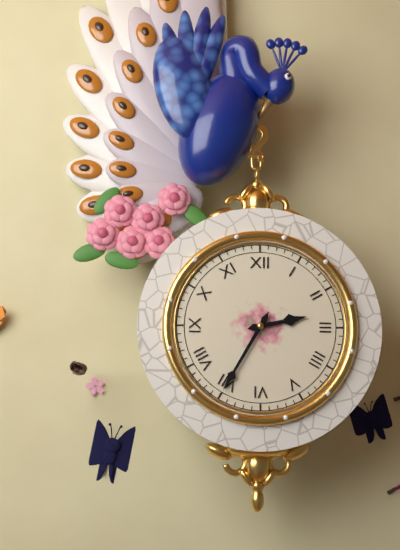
2:35
